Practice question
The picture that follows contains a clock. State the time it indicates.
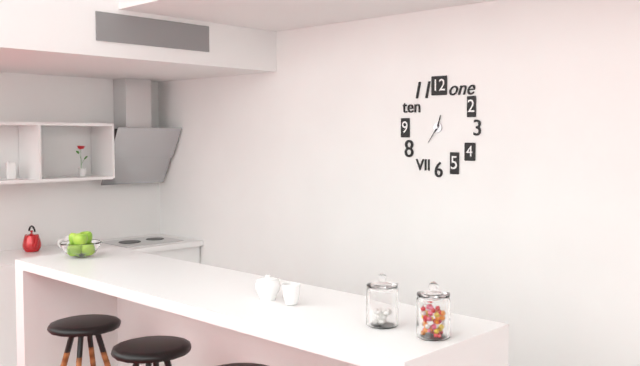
12:36
